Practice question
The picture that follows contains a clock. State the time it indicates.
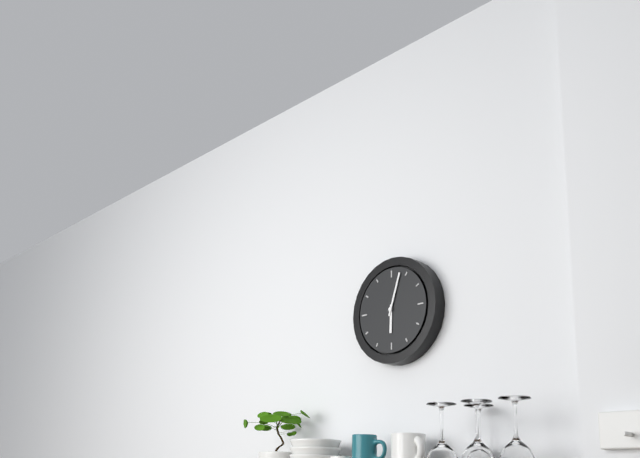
6:03
